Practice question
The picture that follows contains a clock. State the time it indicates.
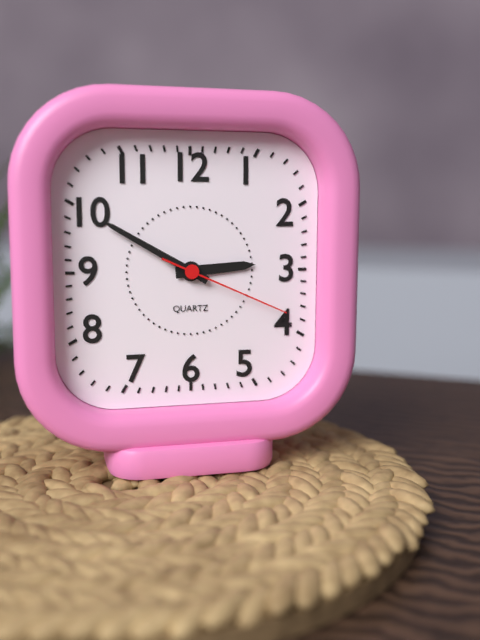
2:50:19
